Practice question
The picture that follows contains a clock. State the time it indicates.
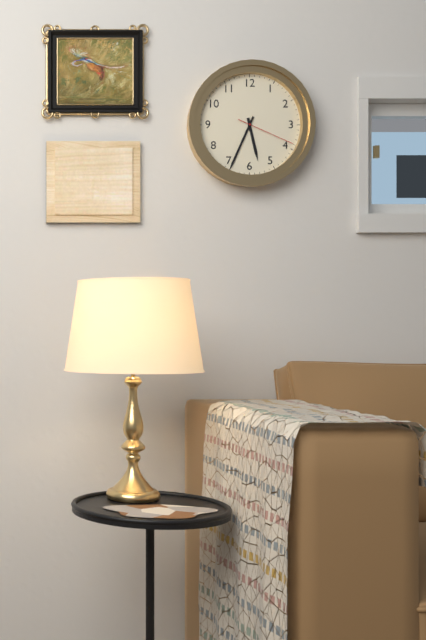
5:34:19
